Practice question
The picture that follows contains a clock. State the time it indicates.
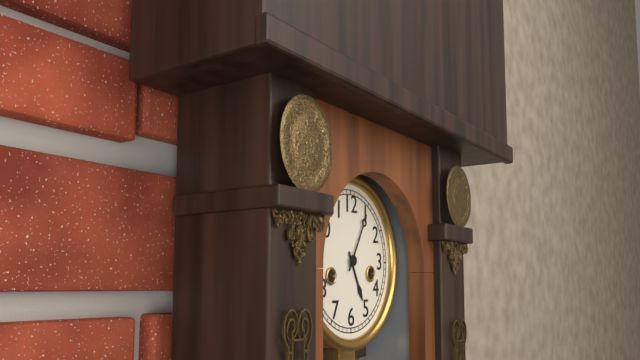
5:05
